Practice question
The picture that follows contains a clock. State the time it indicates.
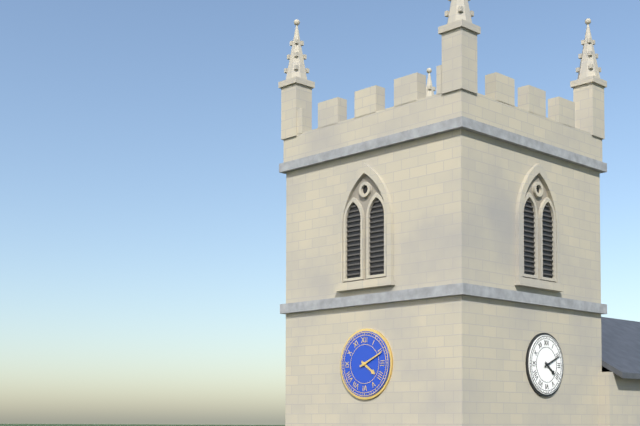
4:11
